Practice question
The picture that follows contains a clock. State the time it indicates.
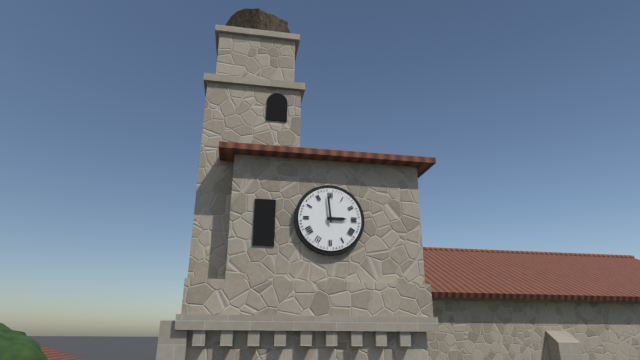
2:59
